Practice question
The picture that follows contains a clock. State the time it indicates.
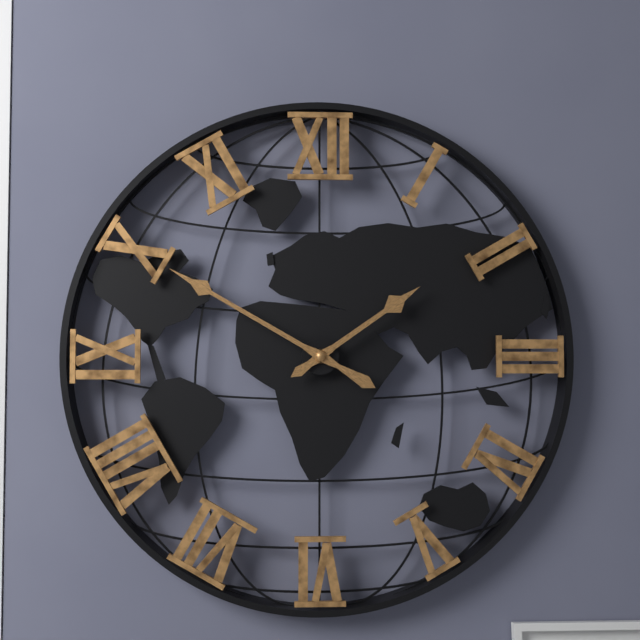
1:50
